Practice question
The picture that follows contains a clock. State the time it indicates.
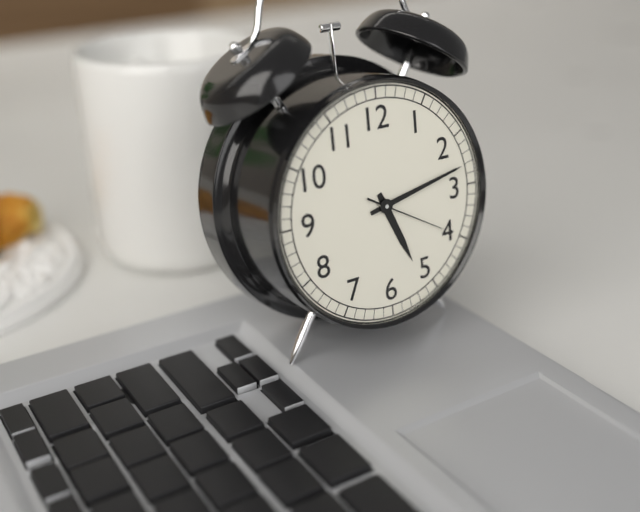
5:13:20
